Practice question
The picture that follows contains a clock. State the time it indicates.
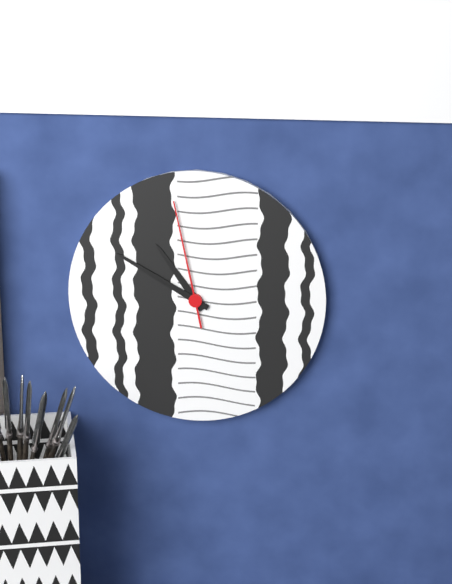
10:50:58
